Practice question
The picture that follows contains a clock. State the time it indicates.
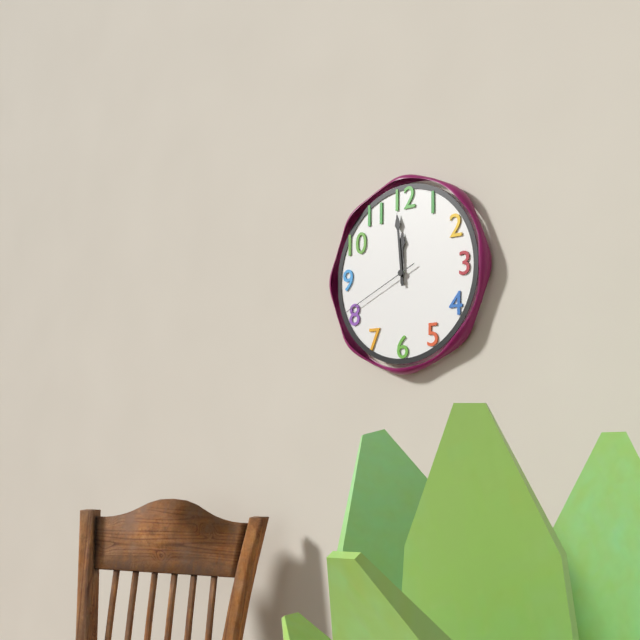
11:59:41
